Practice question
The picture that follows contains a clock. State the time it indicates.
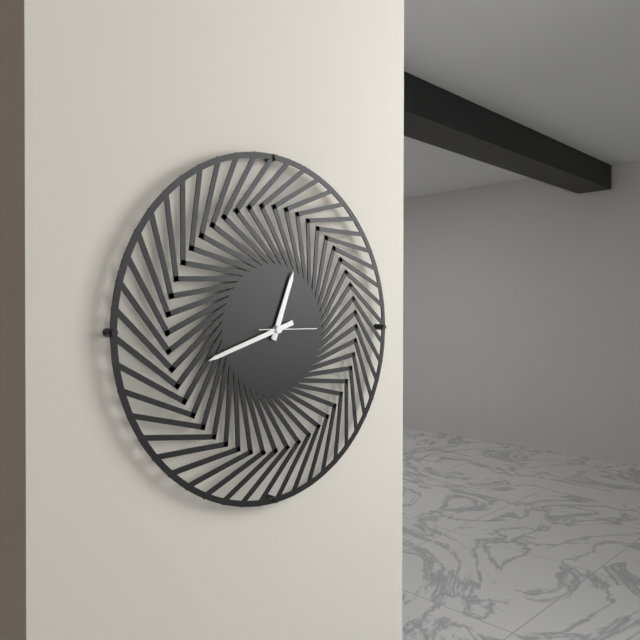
12:42:15
